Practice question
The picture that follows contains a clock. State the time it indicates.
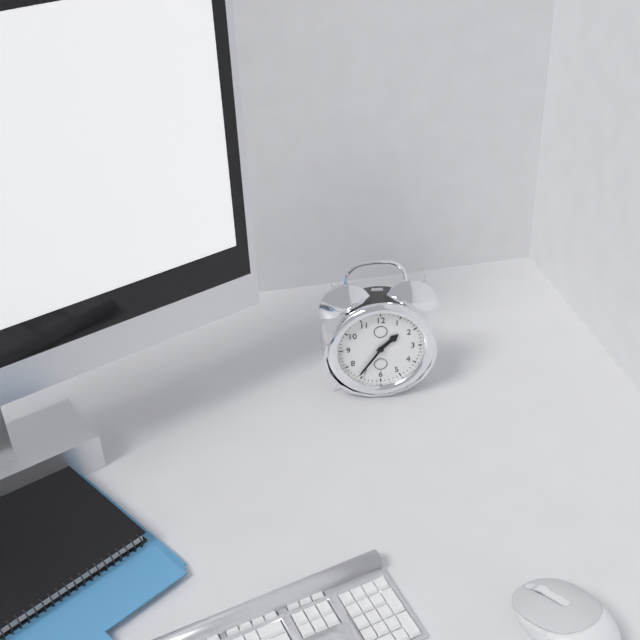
1:36
